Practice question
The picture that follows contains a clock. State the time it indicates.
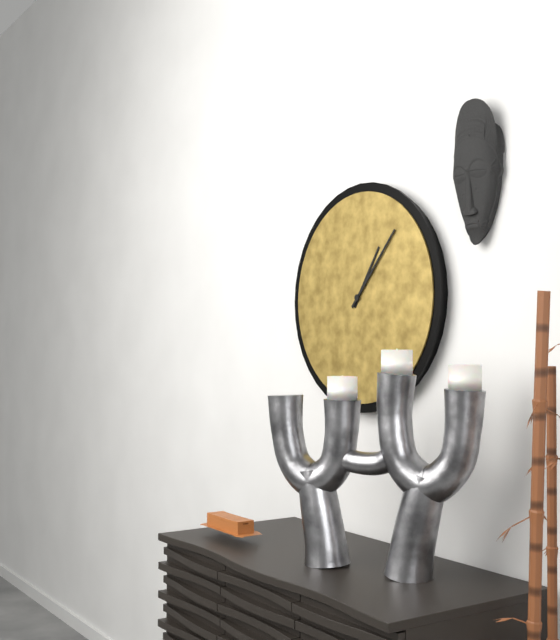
1:07
